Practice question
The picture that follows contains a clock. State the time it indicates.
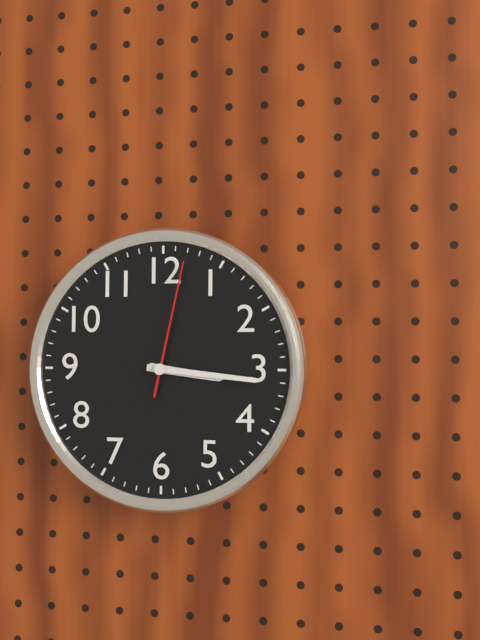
3:16:02
